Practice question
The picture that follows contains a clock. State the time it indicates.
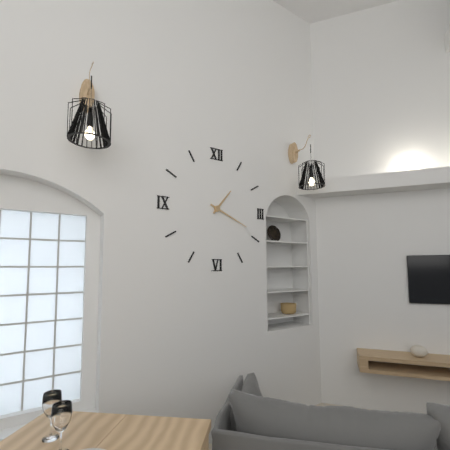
1:19
